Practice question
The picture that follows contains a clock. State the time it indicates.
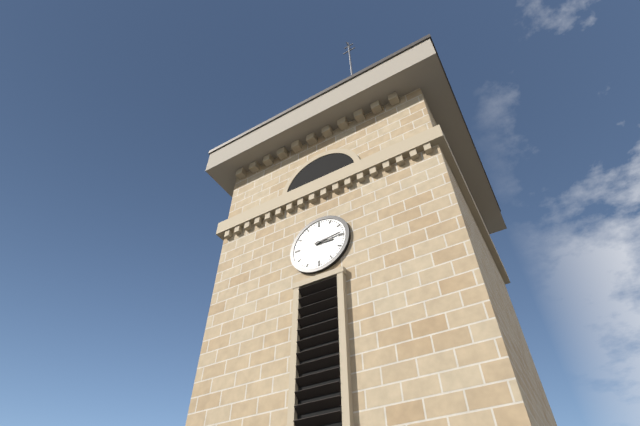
3:14
